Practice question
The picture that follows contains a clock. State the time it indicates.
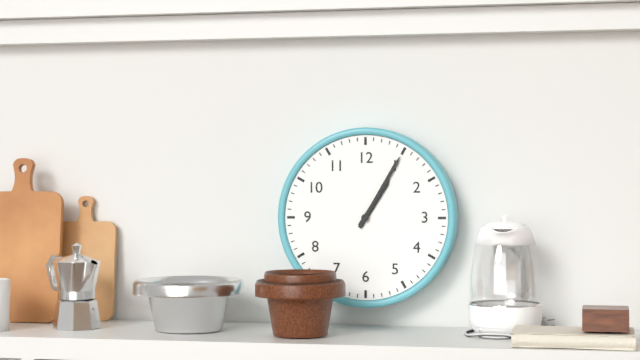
1:05
